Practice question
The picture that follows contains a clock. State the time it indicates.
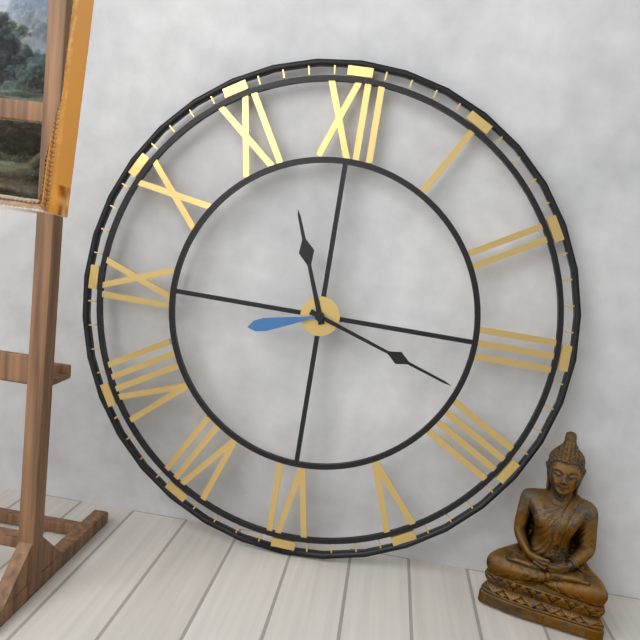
11:18:42
